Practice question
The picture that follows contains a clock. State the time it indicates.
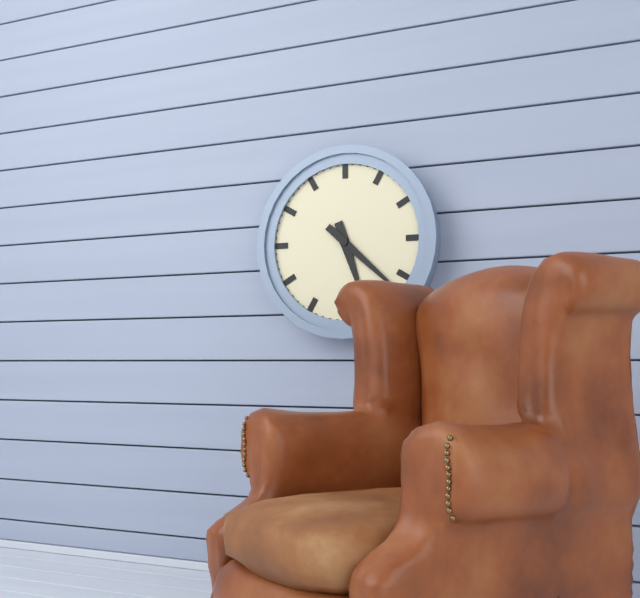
5:22
